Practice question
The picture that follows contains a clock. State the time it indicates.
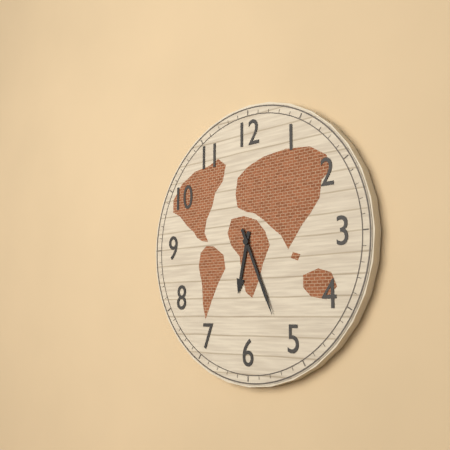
6:26
